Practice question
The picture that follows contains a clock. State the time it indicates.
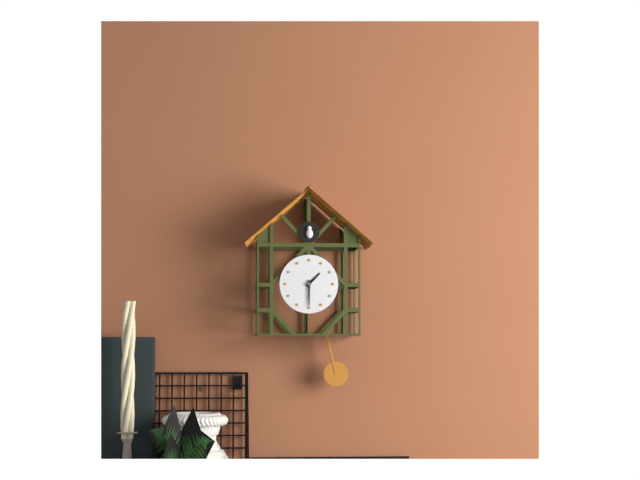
1:30
